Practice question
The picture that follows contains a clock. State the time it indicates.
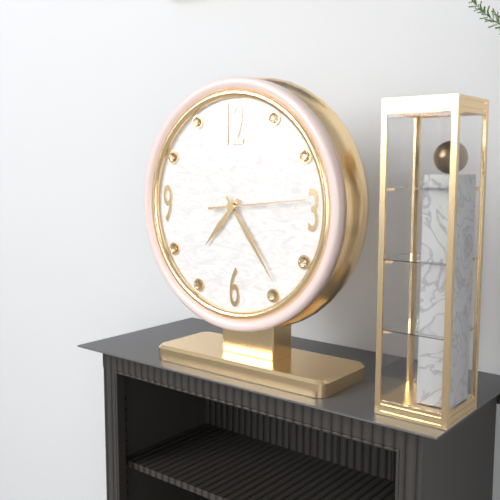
7:24:14
